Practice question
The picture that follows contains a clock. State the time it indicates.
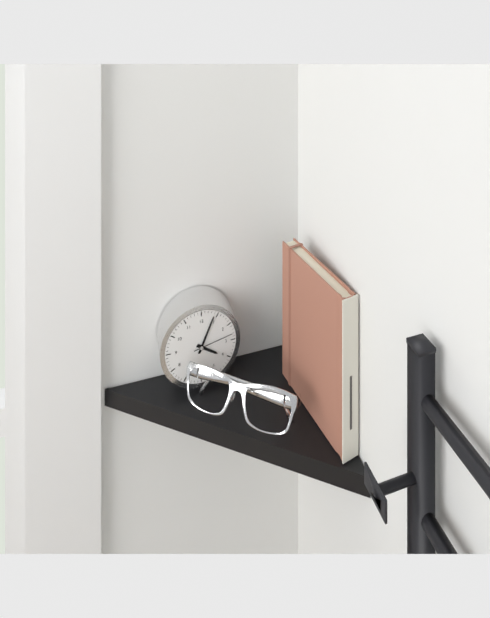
4:04
